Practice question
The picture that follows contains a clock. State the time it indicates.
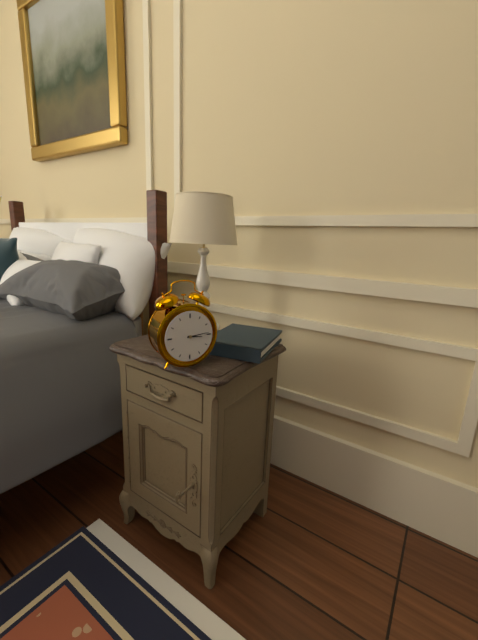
3:14
